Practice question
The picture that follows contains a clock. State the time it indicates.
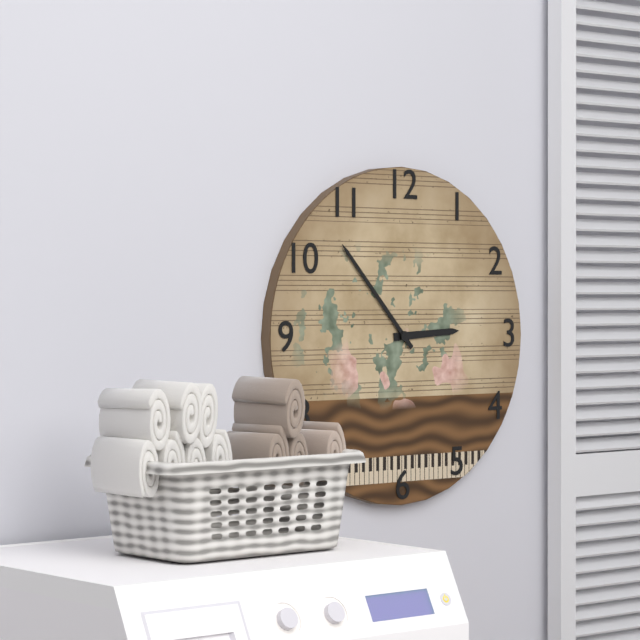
2:53
